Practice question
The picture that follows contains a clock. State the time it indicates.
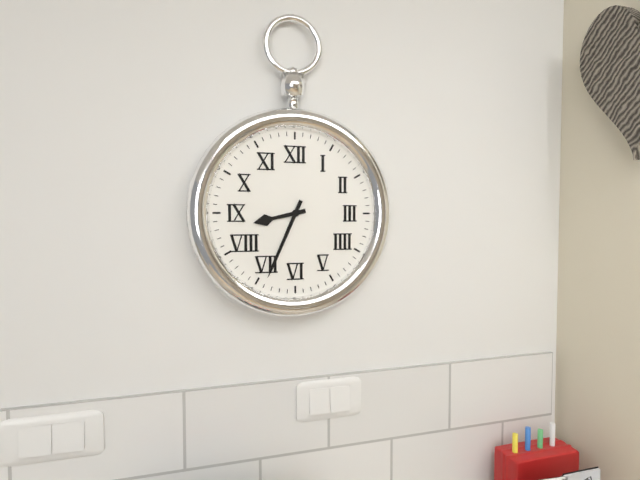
8:34
